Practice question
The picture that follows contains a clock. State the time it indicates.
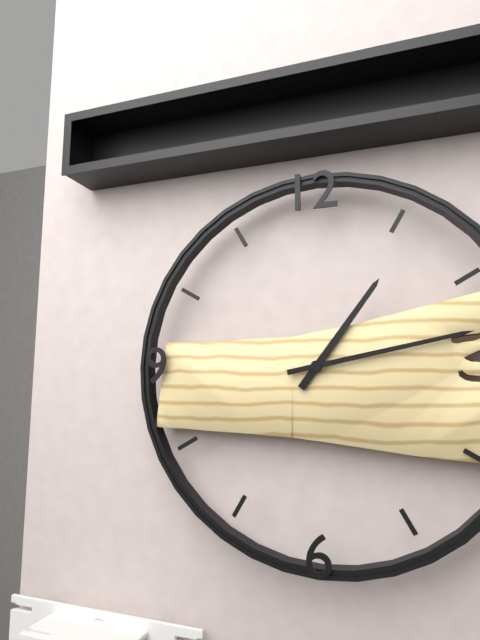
1:13
